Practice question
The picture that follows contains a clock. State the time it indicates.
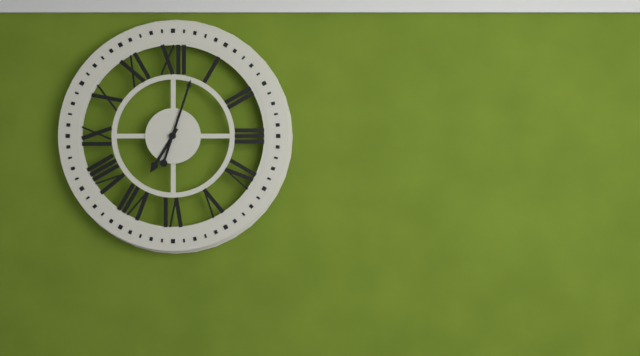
7:03
